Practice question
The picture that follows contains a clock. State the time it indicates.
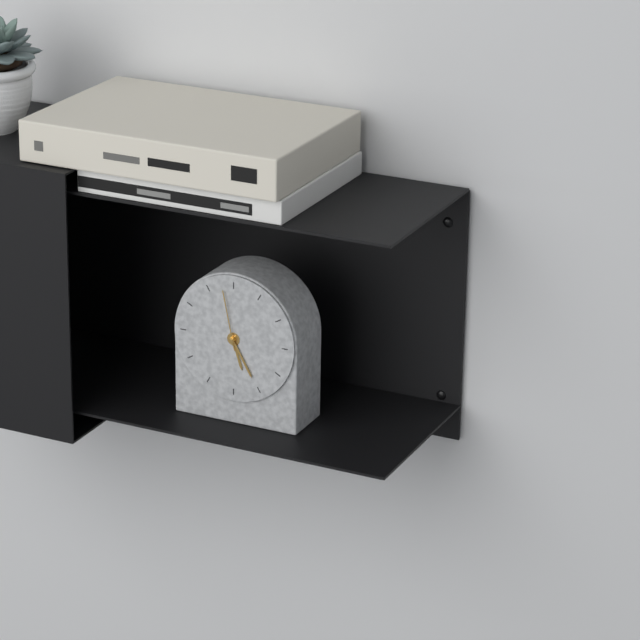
5:25:58
